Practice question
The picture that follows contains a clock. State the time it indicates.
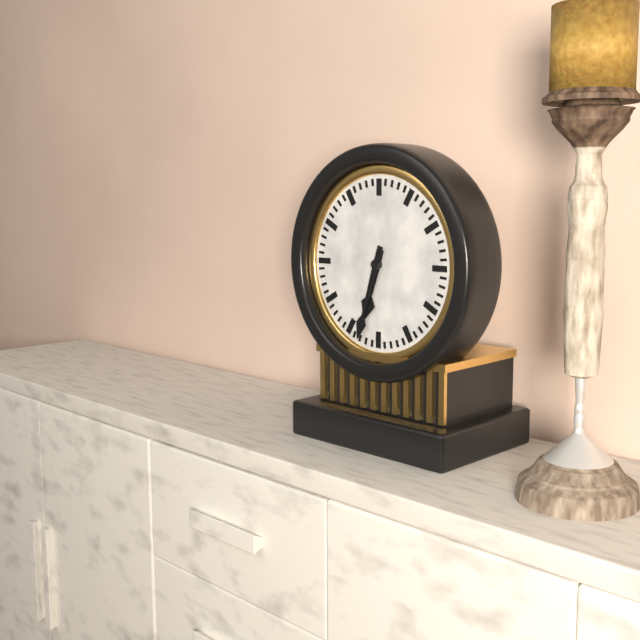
6:33
